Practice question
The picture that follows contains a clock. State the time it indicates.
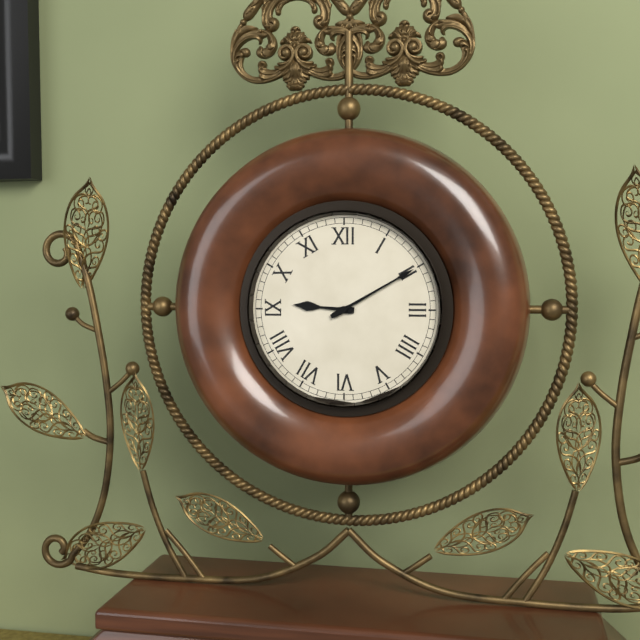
9:10
